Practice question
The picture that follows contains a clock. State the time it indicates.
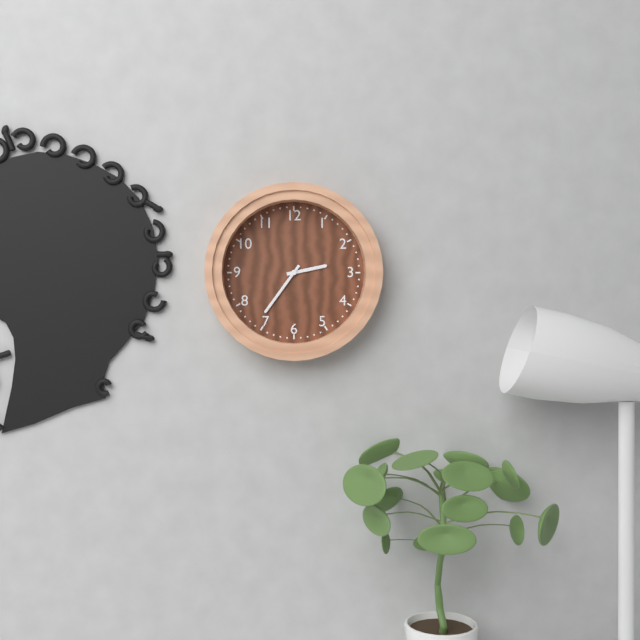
2:36
